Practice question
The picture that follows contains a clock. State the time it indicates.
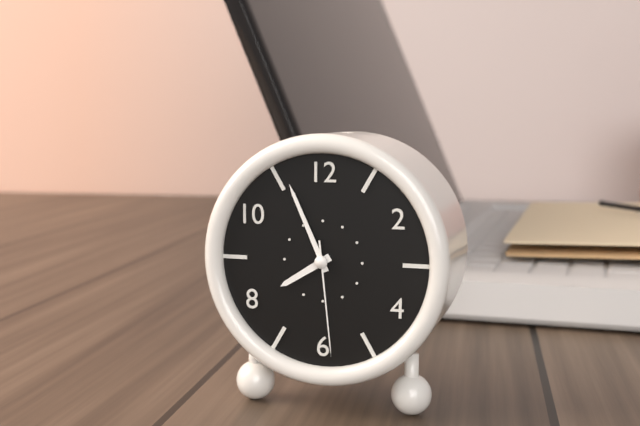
7:56:29
